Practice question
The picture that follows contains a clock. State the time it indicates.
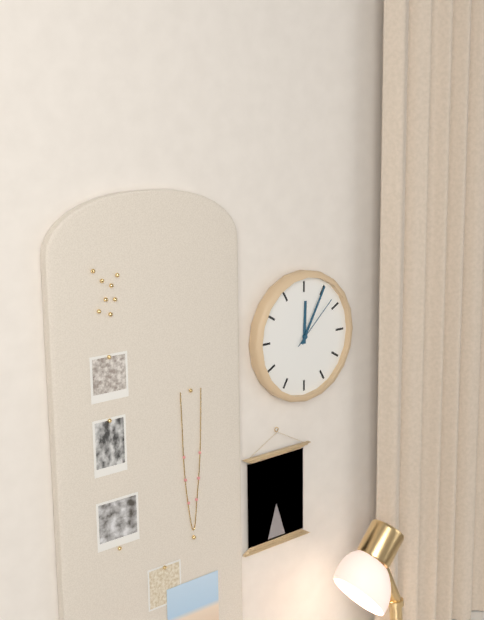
12:05:08
